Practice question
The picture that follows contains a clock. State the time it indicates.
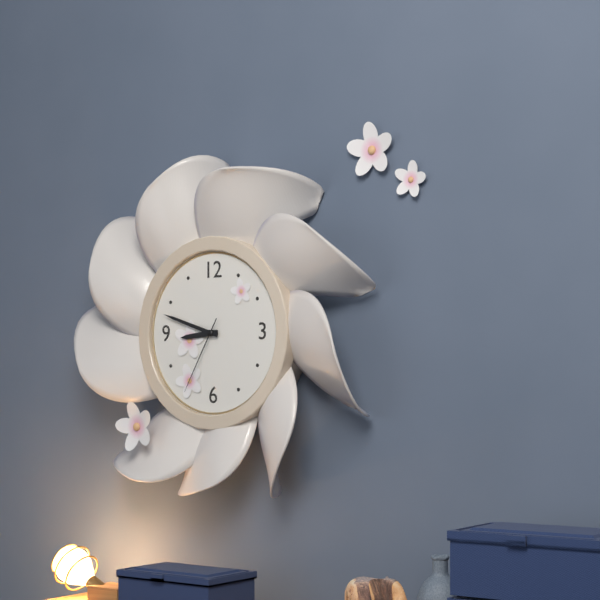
8:48:35
